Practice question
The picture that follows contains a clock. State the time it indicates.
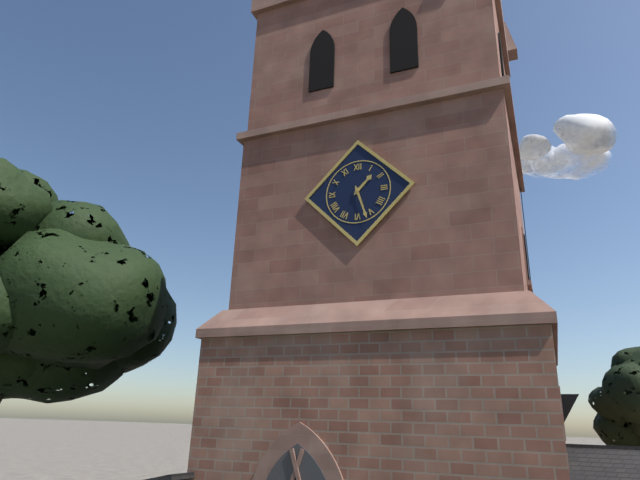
1:27
